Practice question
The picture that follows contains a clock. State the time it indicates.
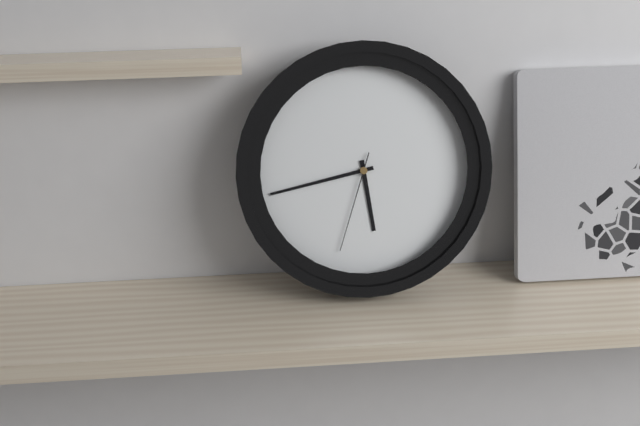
5:43:33
